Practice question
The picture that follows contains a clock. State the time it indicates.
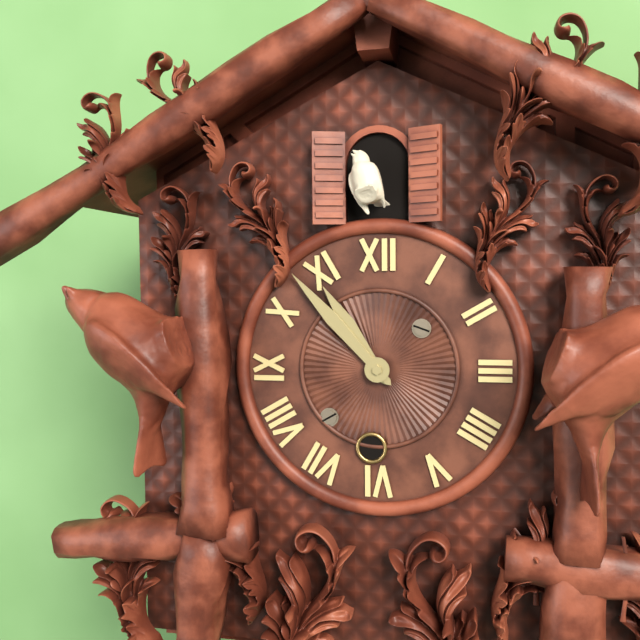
10:53
